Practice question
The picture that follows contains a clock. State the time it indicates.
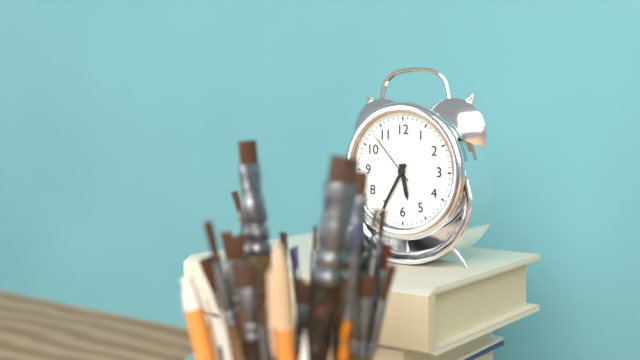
5:35:53
